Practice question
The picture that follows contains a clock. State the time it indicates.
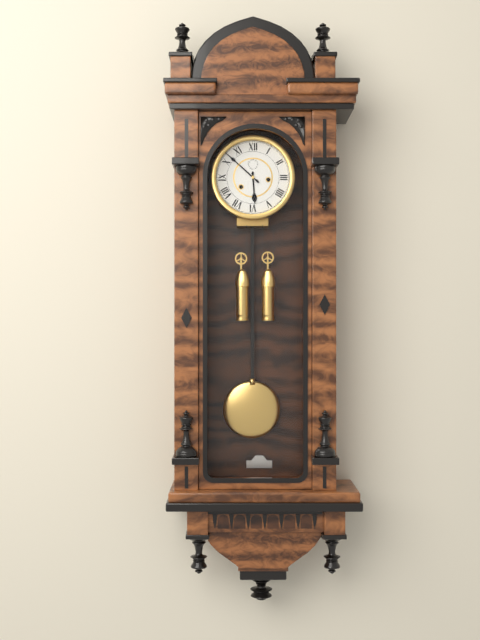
5:52
